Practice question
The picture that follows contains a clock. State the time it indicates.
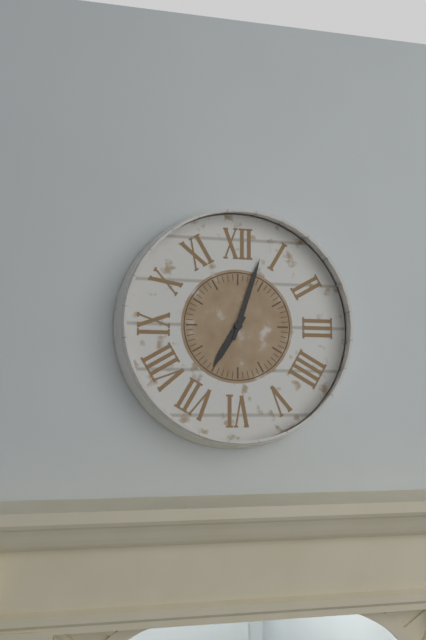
7:03
